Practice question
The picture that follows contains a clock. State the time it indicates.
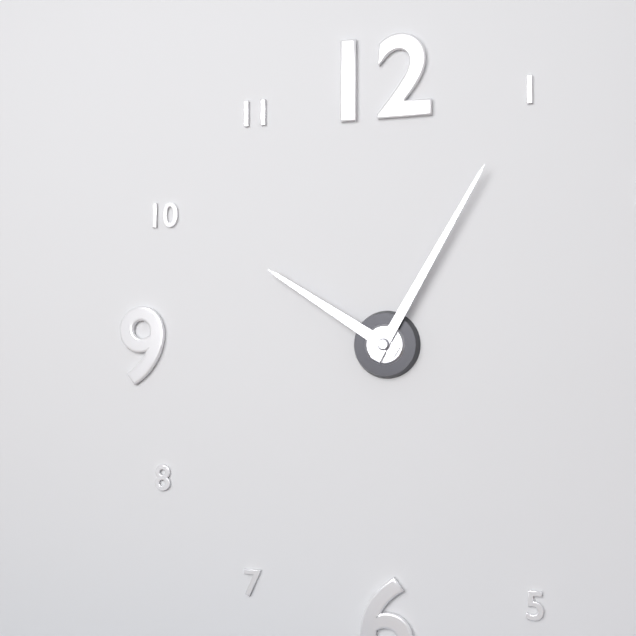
10:05
